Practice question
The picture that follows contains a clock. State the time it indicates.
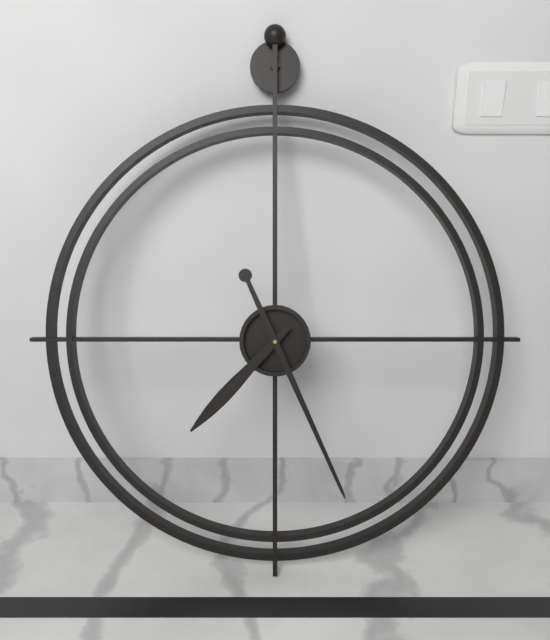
7:26
